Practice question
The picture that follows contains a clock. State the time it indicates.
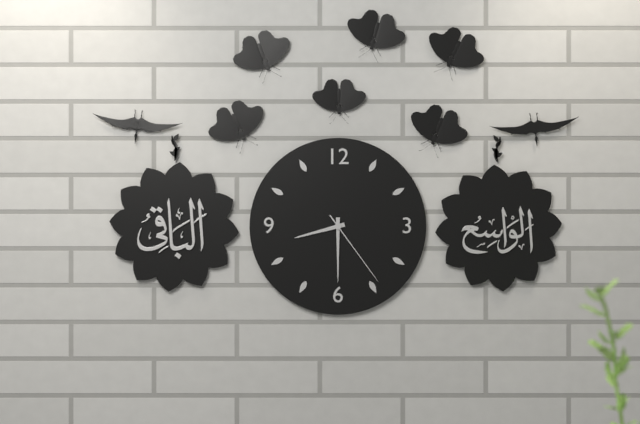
8:30:24
